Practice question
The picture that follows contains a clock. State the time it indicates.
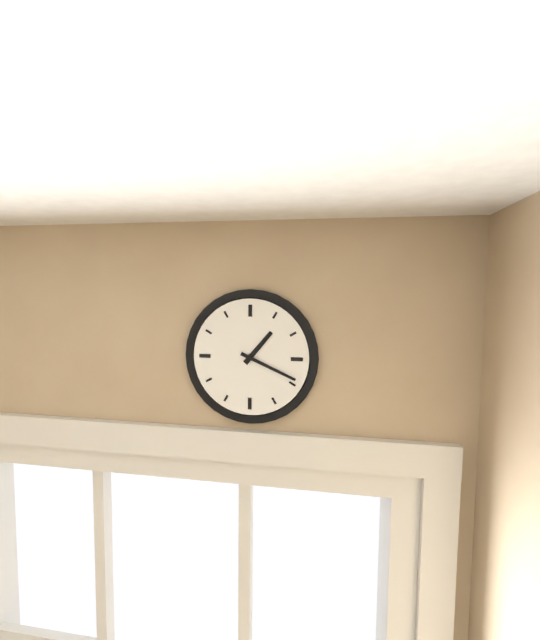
1:19
